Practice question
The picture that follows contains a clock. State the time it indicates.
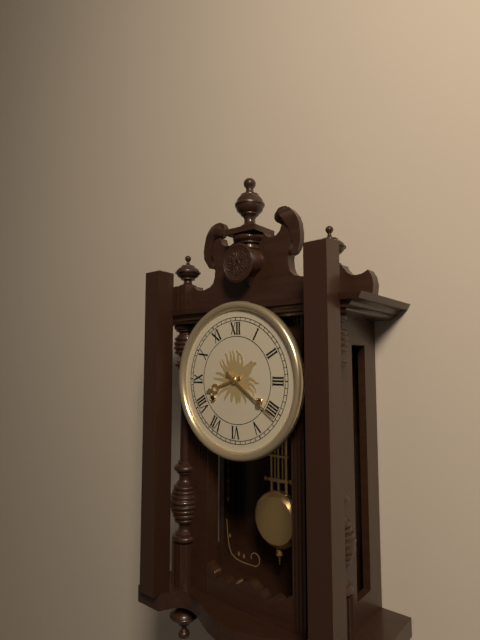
8:21
